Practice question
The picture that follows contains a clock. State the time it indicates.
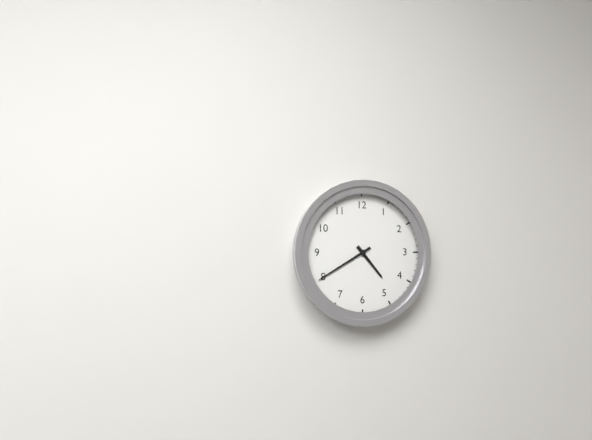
4:40
